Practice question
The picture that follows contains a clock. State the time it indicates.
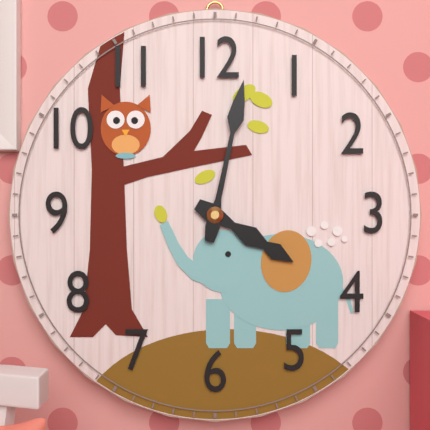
4:02
